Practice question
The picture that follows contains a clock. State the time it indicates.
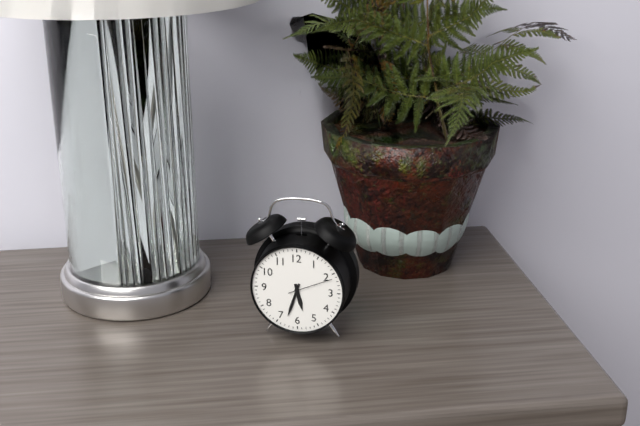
5:33
